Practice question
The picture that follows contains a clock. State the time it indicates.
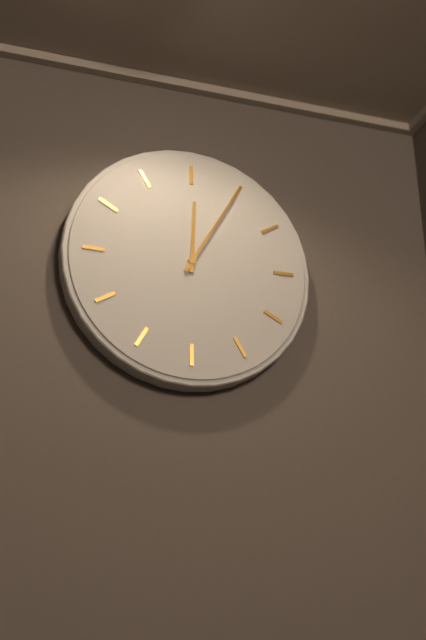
12:05
